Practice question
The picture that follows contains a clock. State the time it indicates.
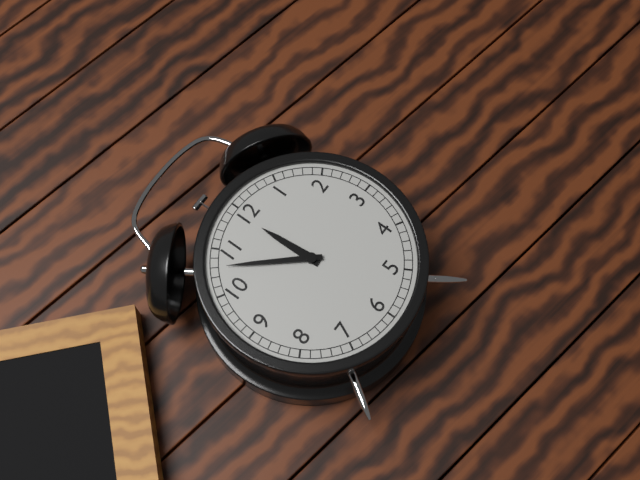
11:53
